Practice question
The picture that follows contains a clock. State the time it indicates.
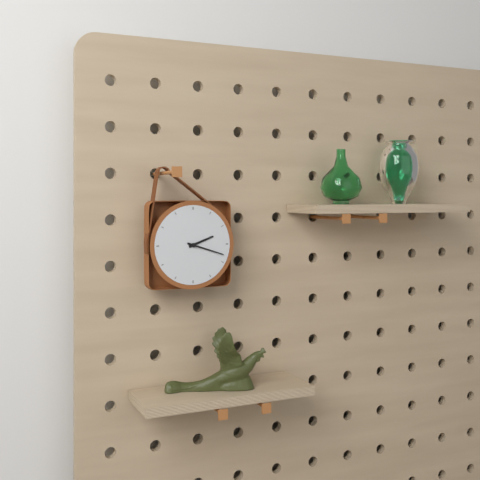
2:18
